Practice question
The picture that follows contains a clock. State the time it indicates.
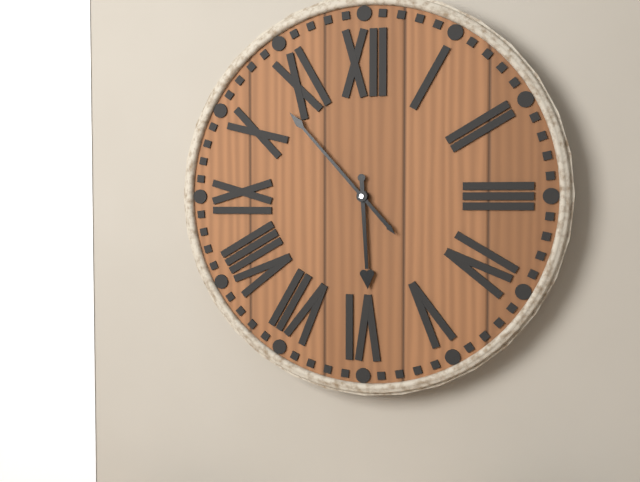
5:53
